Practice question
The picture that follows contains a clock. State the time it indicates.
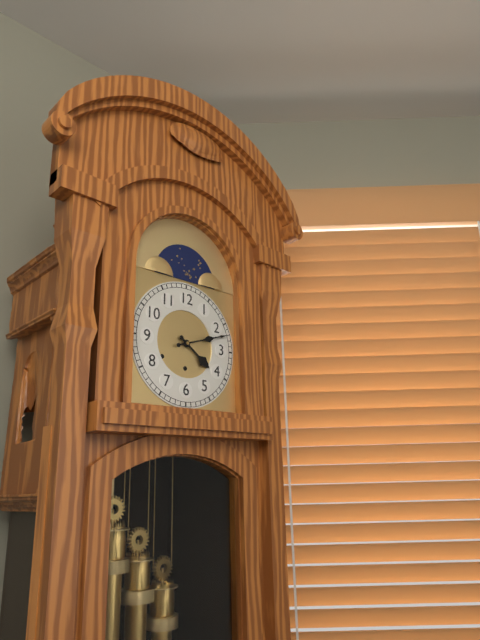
4:12
